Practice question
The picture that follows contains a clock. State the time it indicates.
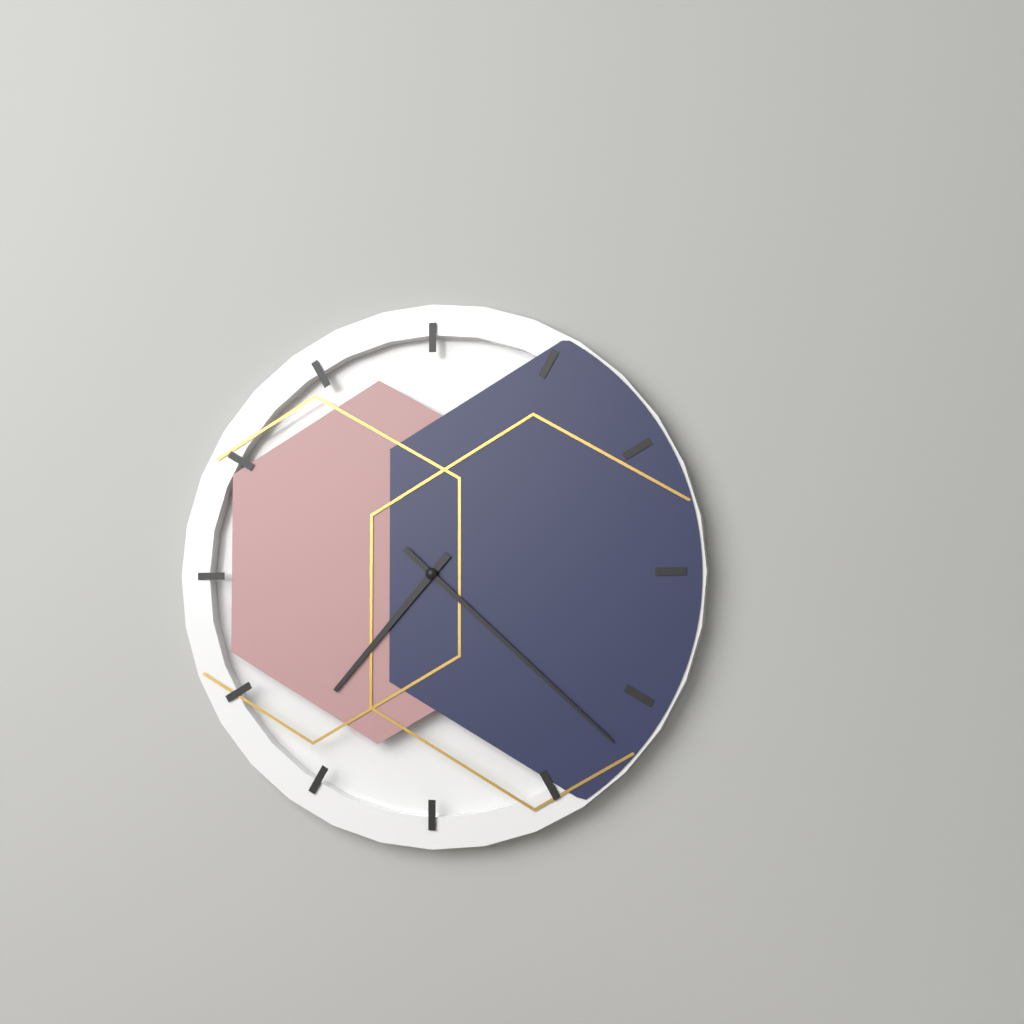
7:22
